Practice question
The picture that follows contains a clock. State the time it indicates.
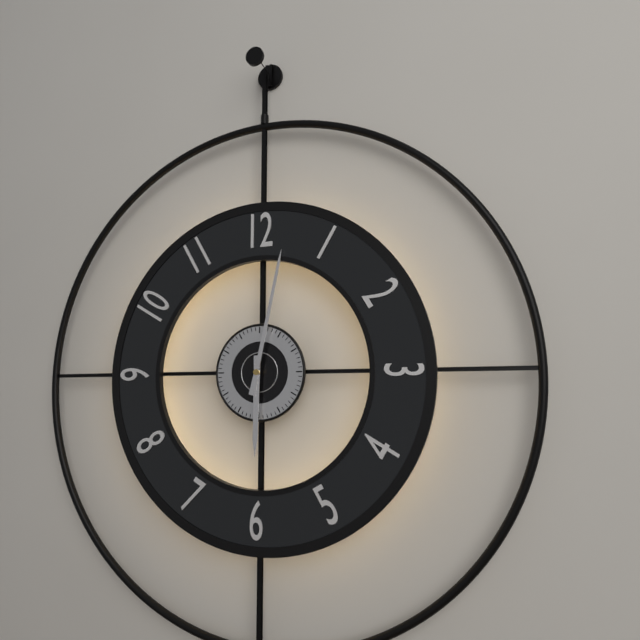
6:02
